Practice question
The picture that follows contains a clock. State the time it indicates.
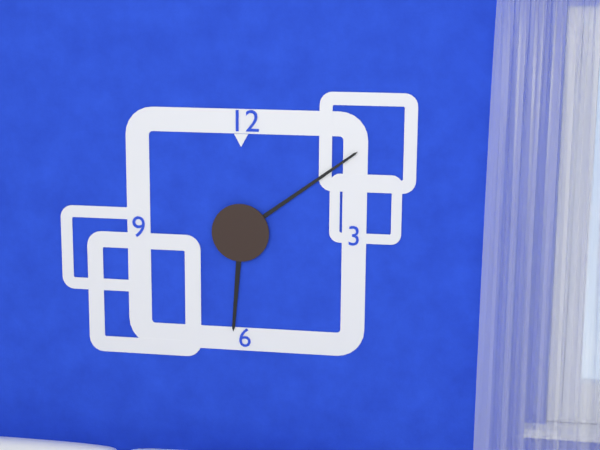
6:09
